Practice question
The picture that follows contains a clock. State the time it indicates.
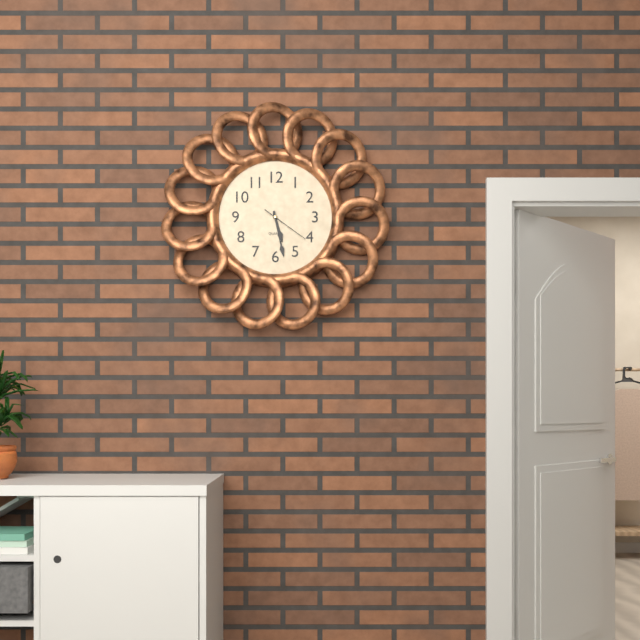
5:28
